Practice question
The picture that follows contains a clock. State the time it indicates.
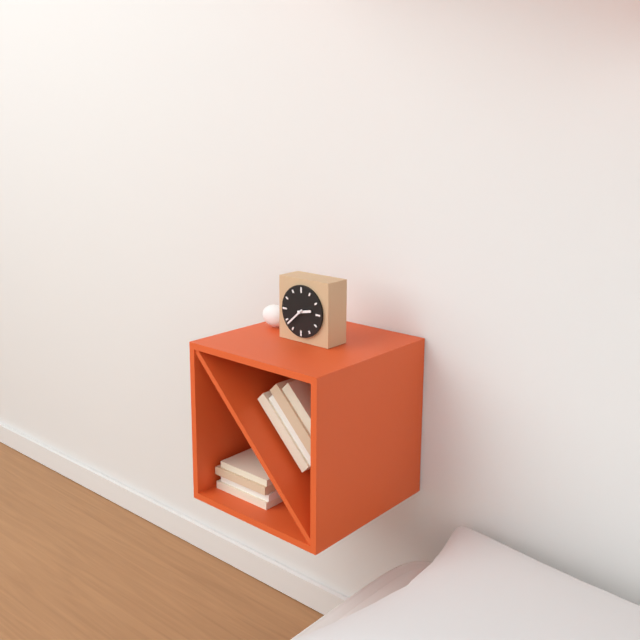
2:38
